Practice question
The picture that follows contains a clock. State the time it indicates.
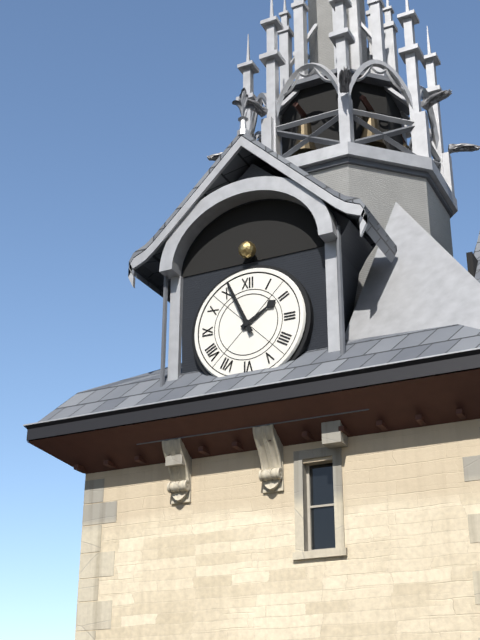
1:56
